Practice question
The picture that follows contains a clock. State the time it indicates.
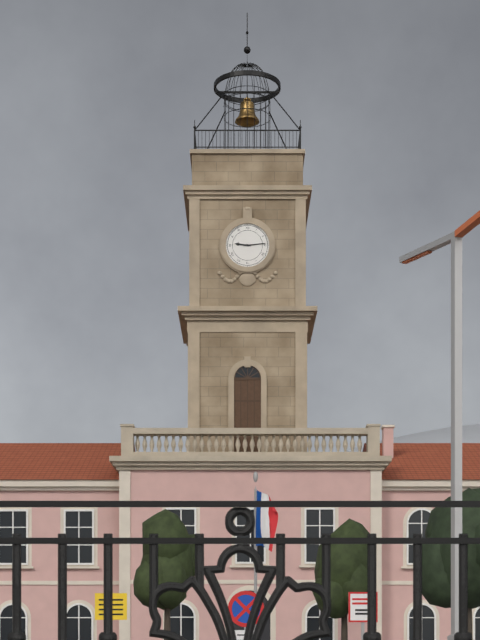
9:14
